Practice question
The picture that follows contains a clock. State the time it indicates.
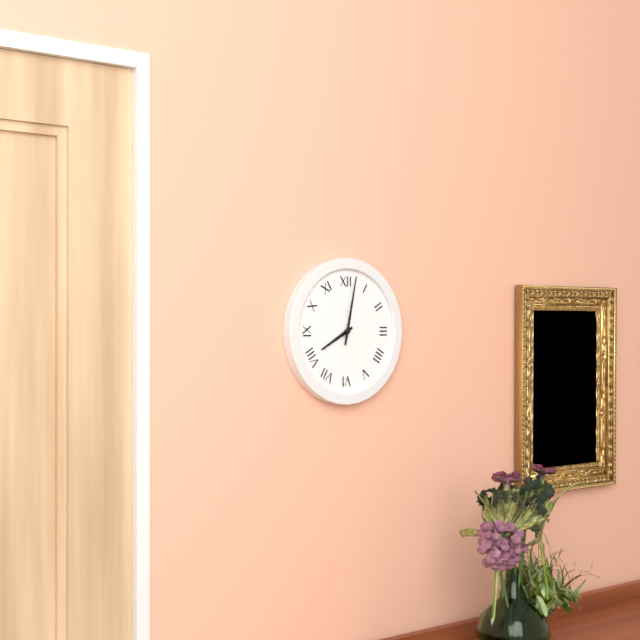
8:02
